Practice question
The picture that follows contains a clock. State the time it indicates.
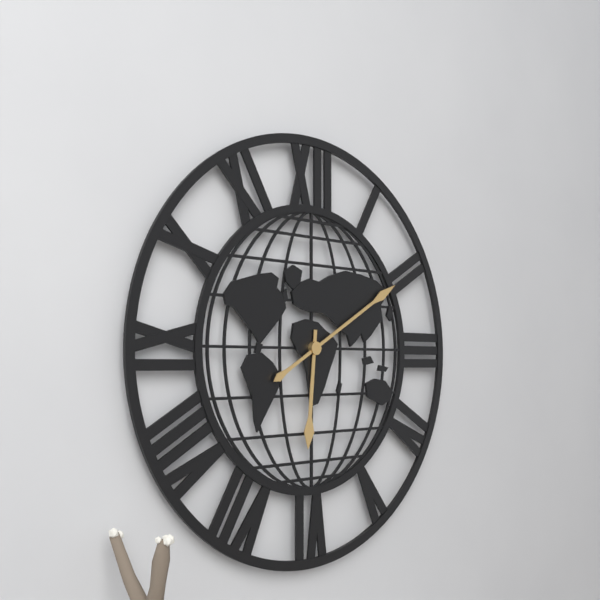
6:10
